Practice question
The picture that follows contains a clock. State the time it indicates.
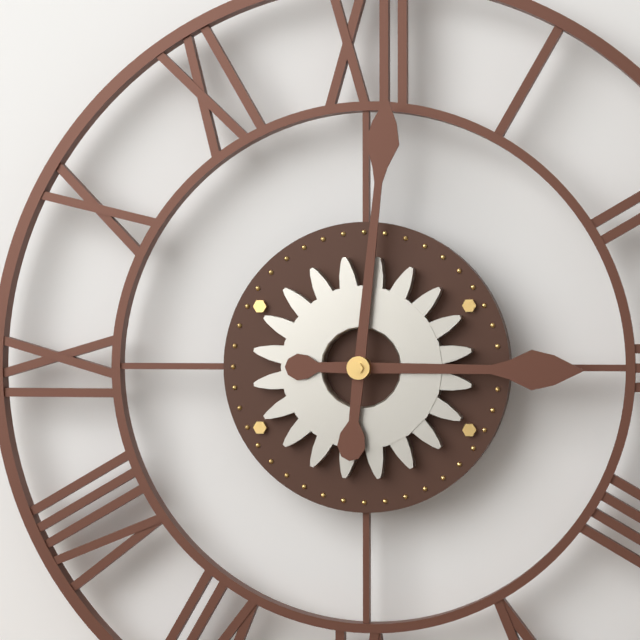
3:01
